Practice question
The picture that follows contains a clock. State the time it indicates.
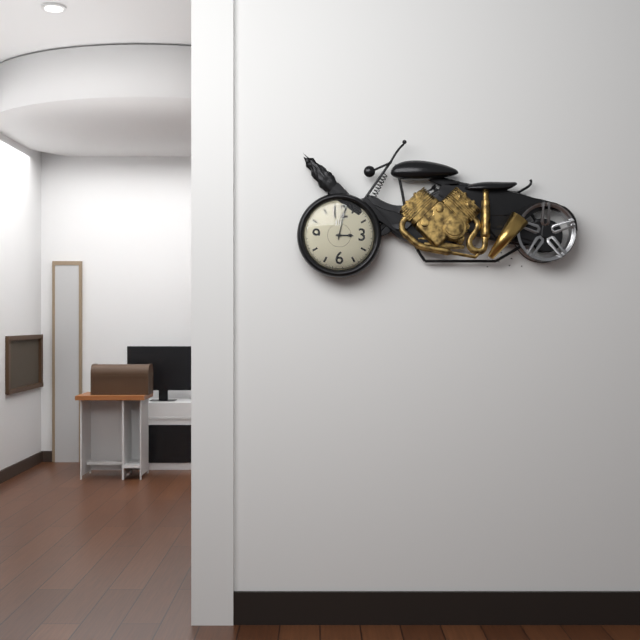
3:02
